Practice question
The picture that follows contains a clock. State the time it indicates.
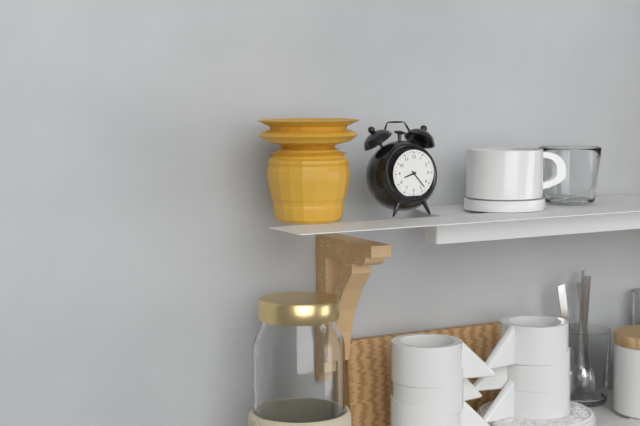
8:23
